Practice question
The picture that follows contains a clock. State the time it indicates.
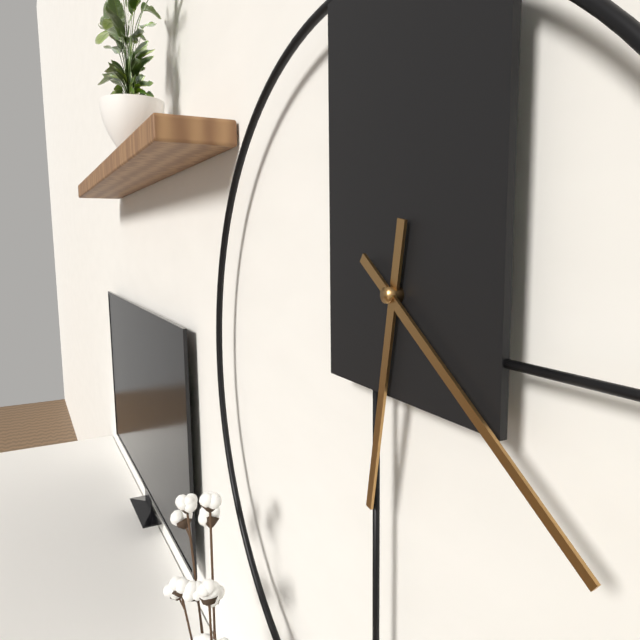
6:21
